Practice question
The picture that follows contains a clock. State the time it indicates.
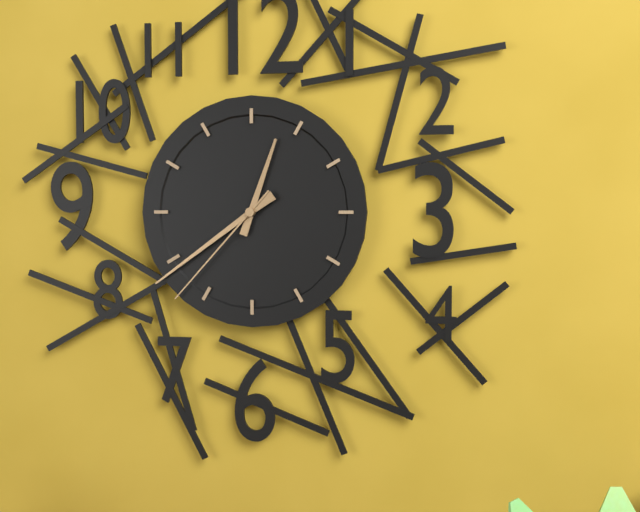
12:39:37
